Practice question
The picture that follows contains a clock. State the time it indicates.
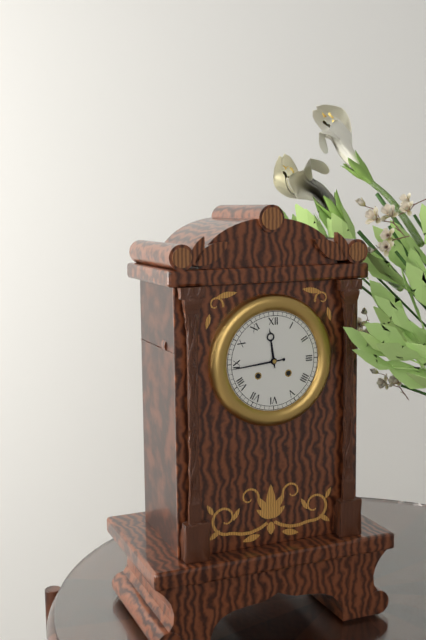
11:44
